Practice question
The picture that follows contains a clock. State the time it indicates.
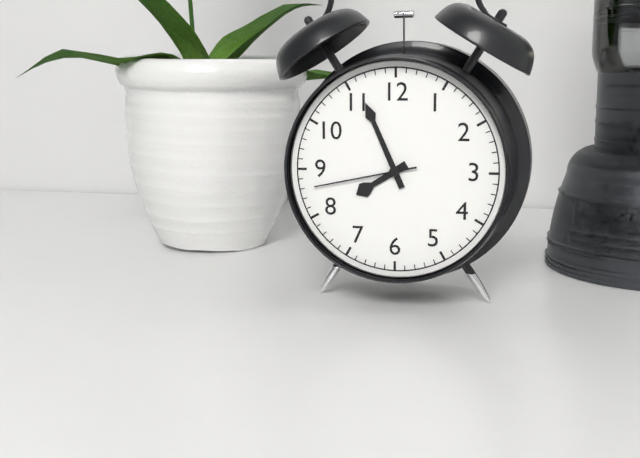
7:56:43
